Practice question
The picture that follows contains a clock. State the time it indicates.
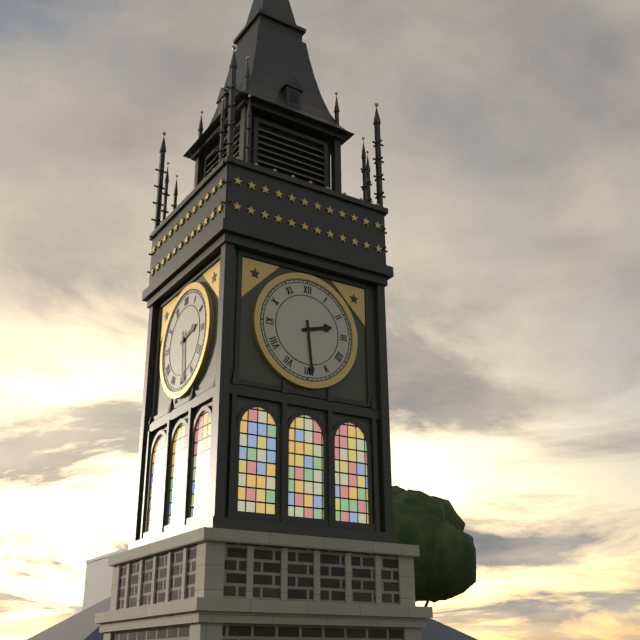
2:29
